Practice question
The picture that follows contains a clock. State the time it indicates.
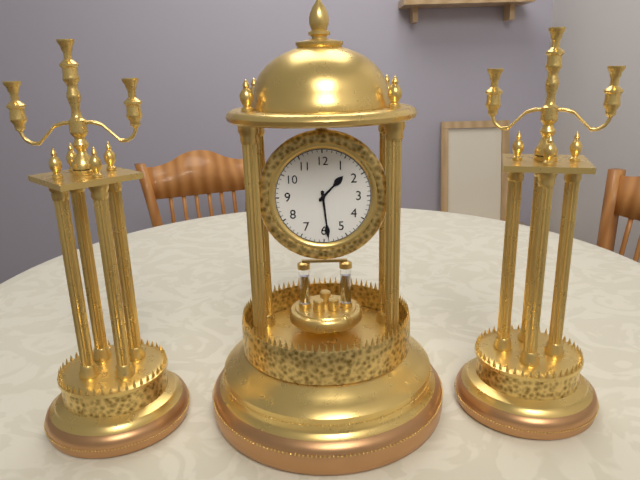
1:29
